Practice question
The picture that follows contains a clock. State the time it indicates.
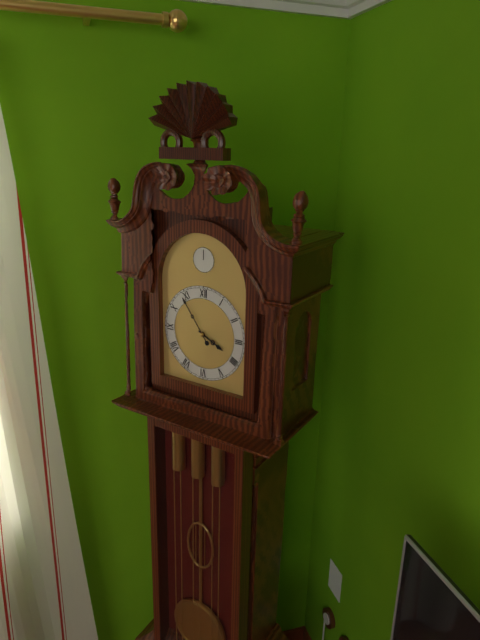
3:54
